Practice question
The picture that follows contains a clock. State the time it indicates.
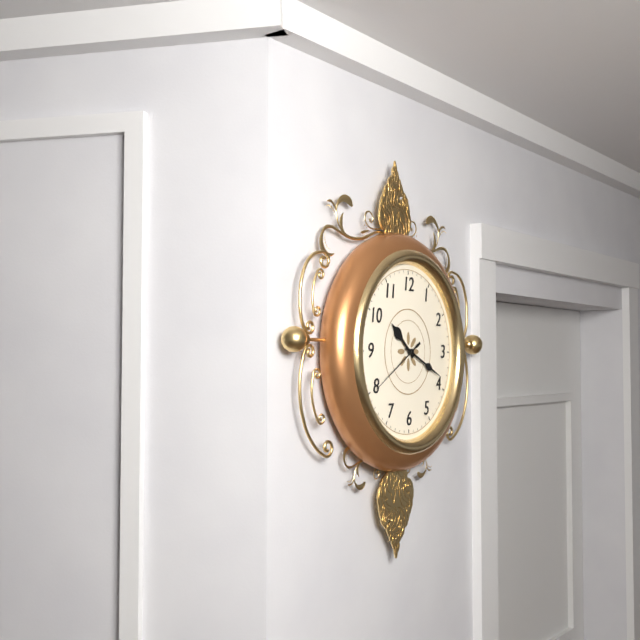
10:19:40
